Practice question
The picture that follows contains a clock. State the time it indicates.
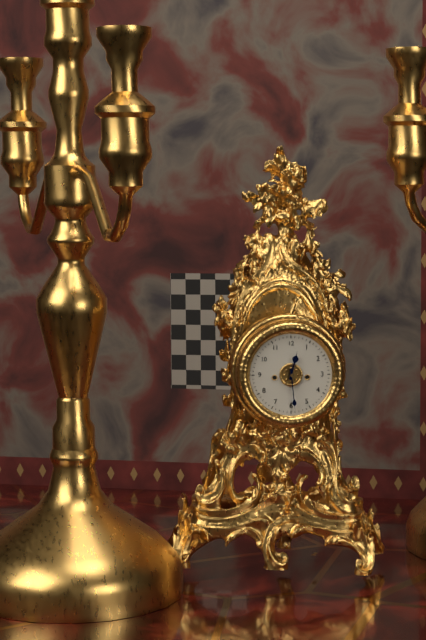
12:29
